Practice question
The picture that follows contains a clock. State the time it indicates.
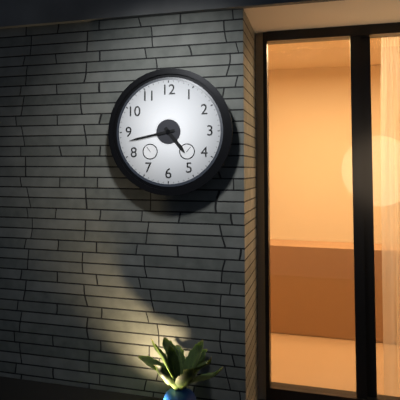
4:43
